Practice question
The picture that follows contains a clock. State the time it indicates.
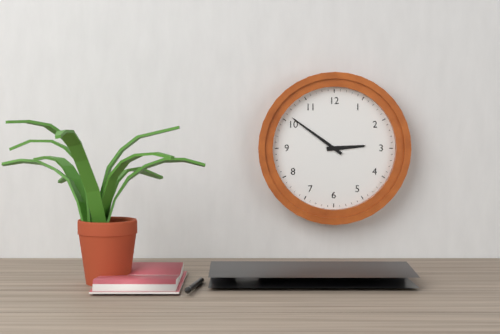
2:51
